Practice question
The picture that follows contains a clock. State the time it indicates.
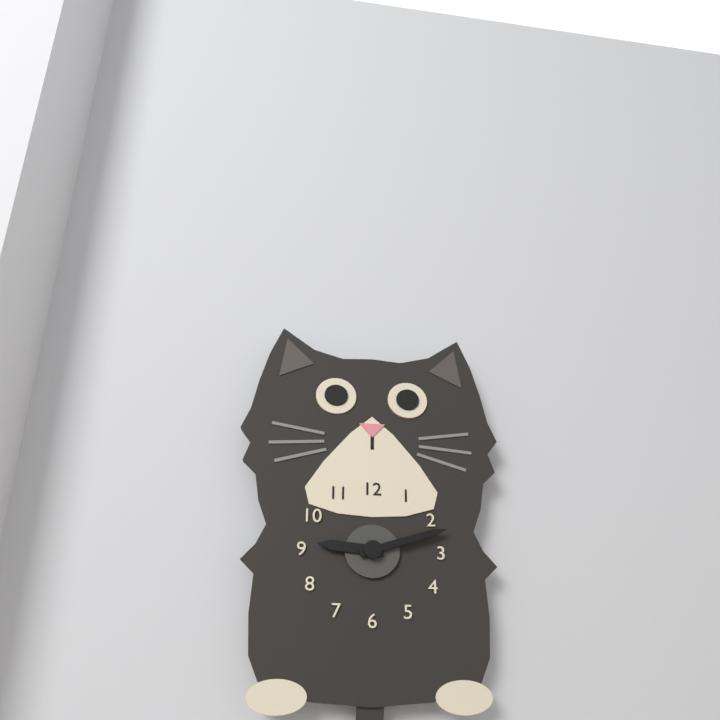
9:12
